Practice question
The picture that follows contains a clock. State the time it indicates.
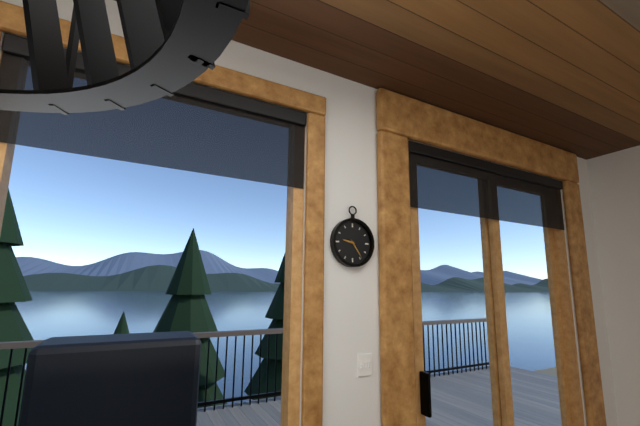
9:24
